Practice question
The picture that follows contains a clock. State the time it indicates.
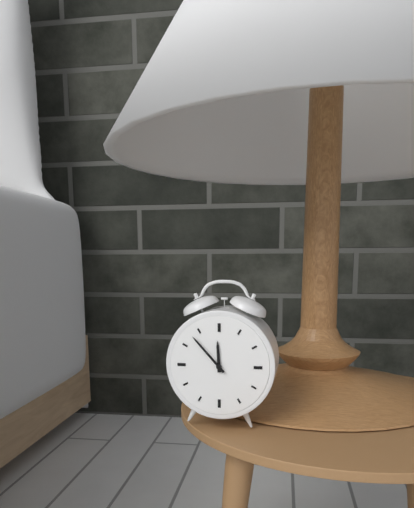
11:53
